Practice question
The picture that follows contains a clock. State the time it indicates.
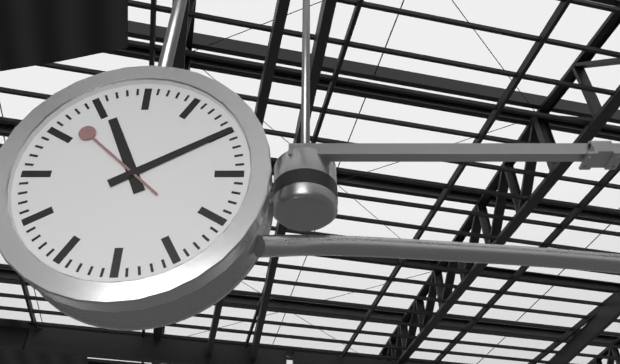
11:10:52
